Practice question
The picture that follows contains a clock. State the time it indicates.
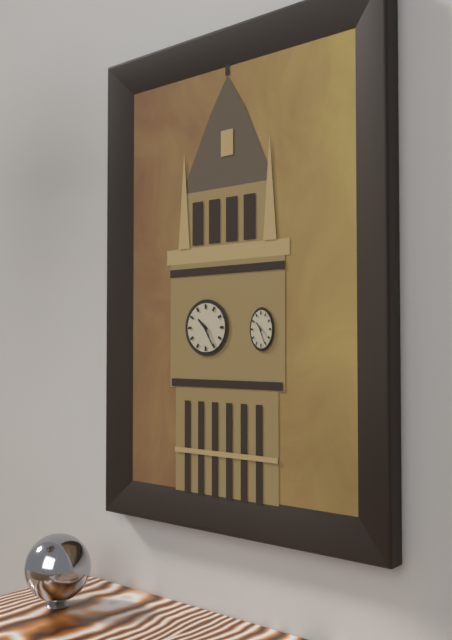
10:25
